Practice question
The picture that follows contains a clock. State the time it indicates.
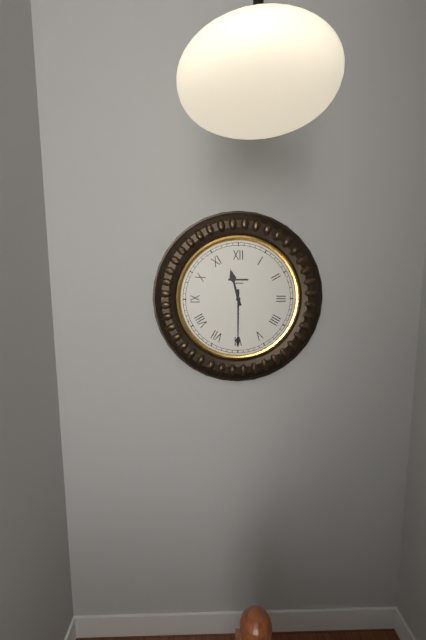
11:30
